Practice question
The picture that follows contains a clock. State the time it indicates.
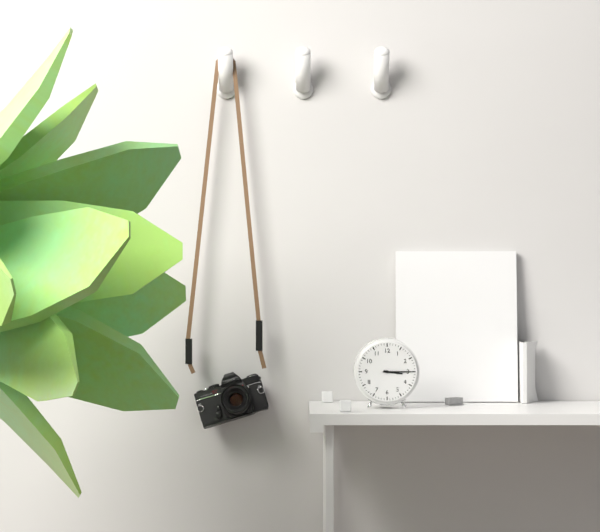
3:15
